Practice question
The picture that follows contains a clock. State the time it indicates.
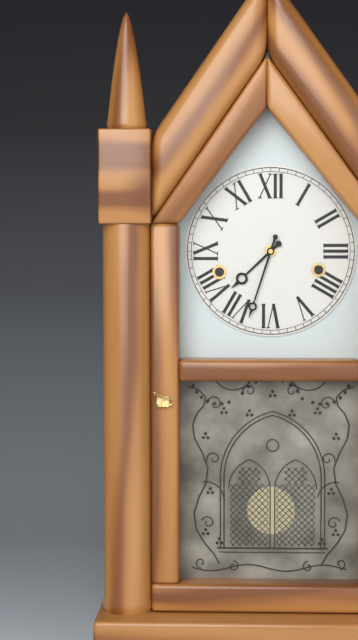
7:33
